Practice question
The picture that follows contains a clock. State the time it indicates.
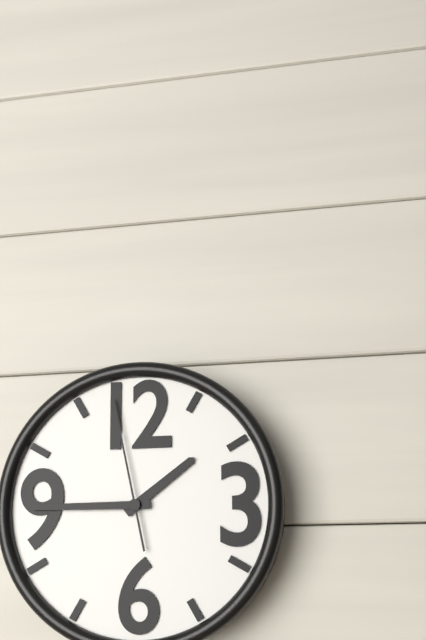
1:45:58
